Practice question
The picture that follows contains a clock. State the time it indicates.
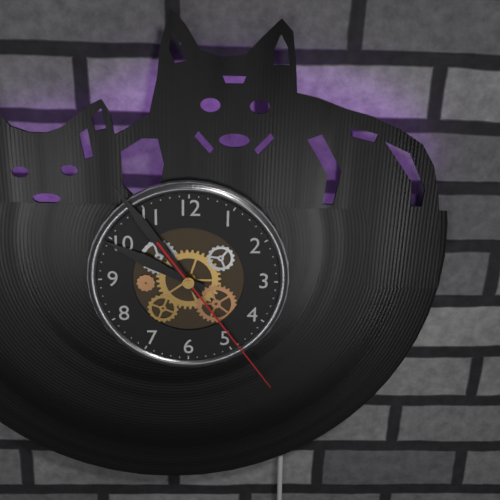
9:54:24
